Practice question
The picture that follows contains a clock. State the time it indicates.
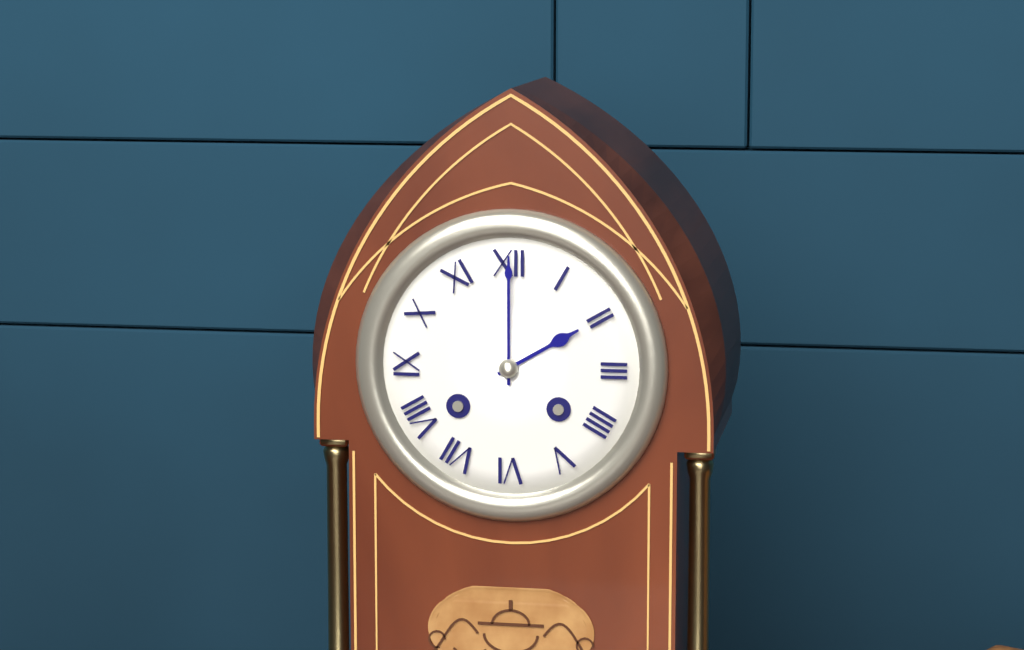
2:00
